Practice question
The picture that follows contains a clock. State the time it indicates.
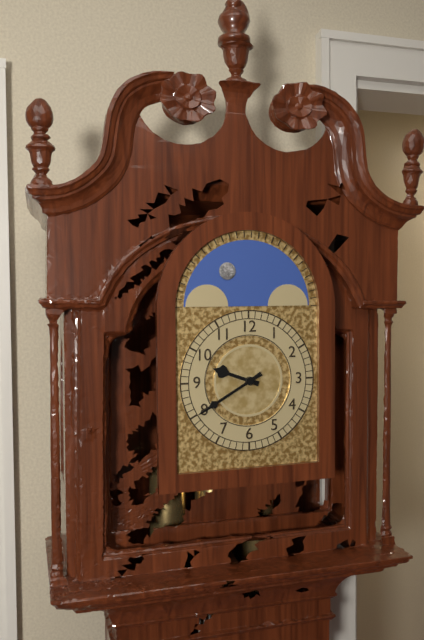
9:40
